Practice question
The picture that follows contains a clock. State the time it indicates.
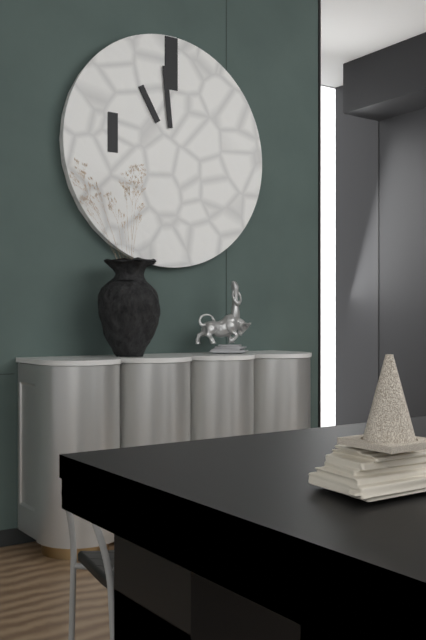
10:59
